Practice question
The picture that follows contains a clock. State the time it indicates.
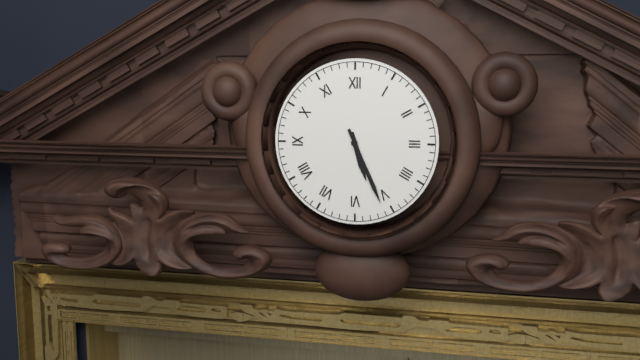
5:26
